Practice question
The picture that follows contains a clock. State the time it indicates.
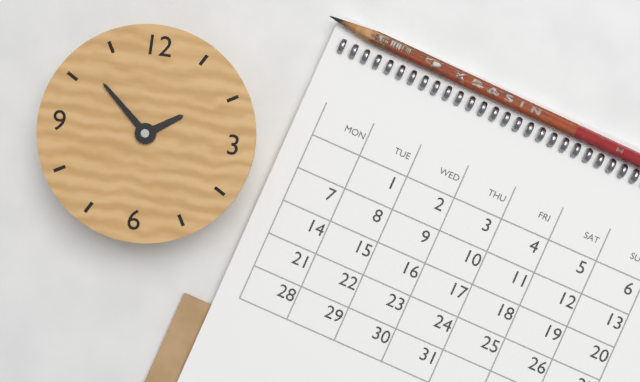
1:52
